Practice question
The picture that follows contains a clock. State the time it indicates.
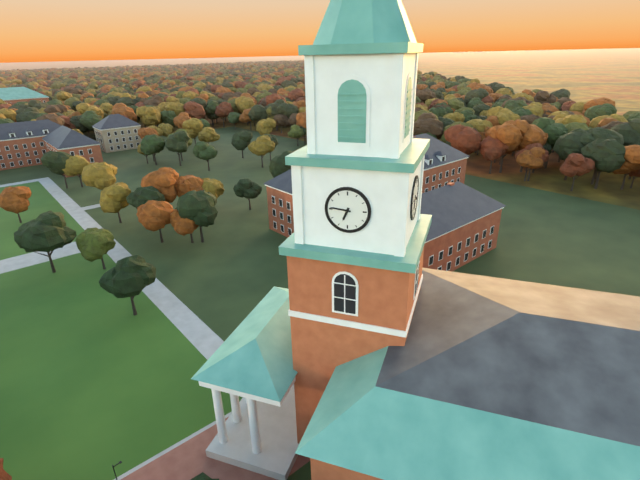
6:46
